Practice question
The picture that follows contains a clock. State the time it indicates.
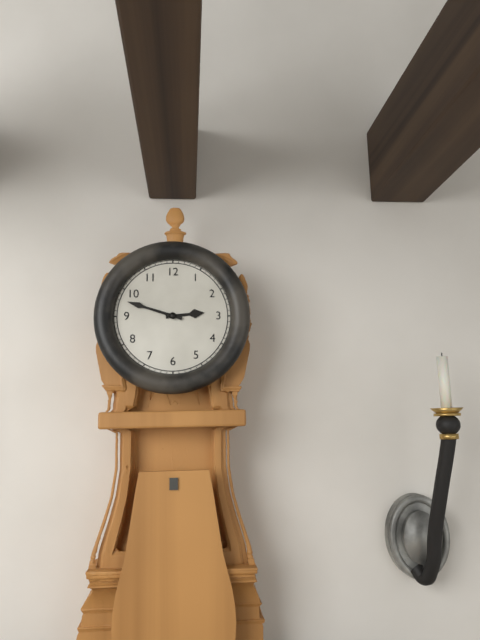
2:48
